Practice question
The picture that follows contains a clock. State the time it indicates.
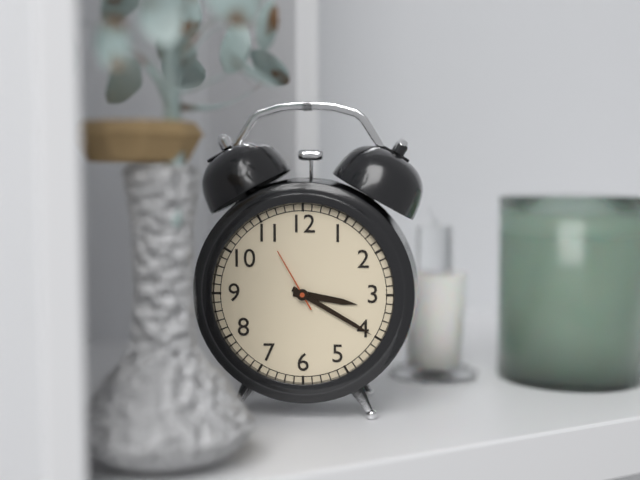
3:20:55
